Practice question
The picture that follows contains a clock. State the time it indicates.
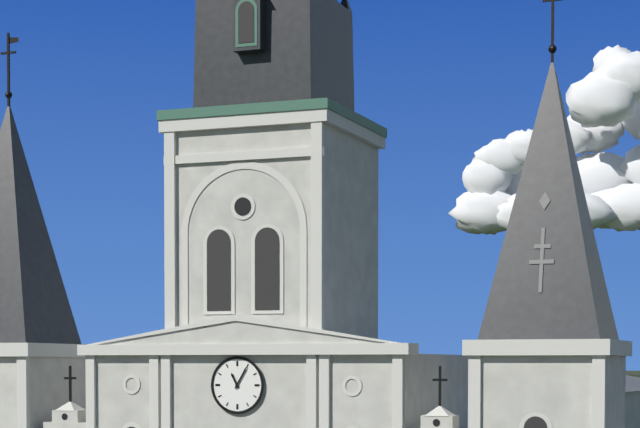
11:05
